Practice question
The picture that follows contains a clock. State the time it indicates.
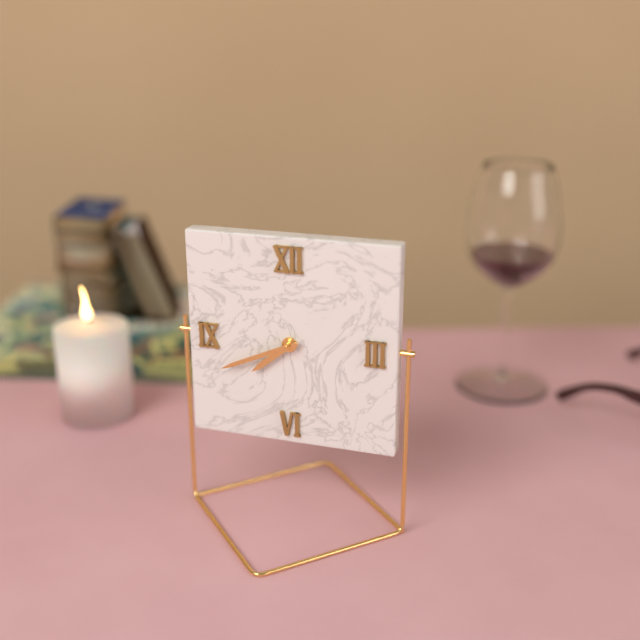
7:41
